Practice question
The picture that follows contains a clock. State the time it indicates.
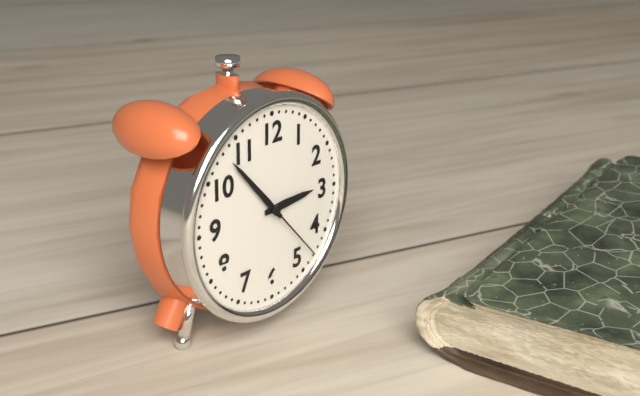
2:53:23
